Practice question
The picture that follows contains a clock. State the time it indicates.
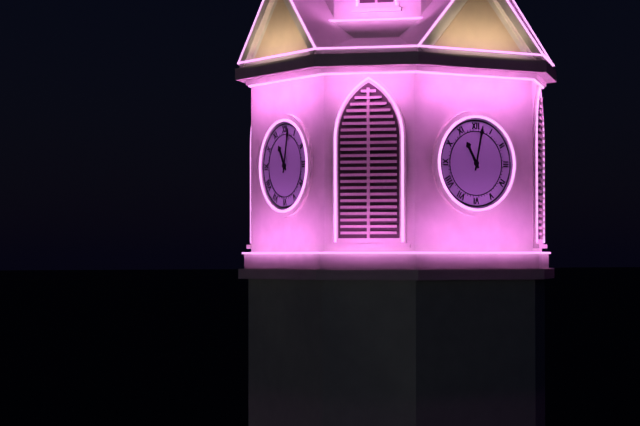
11:02
